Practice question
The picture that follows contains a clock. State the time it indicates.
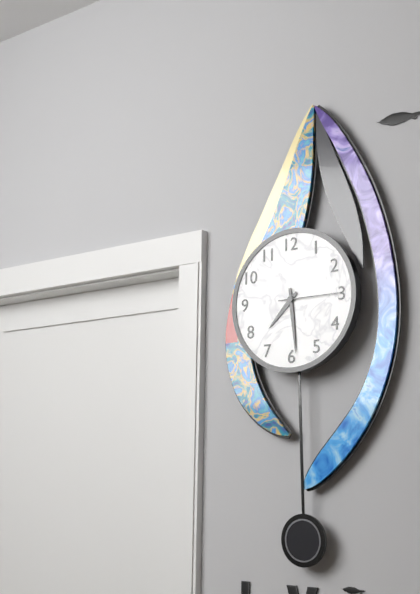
7:29:15
